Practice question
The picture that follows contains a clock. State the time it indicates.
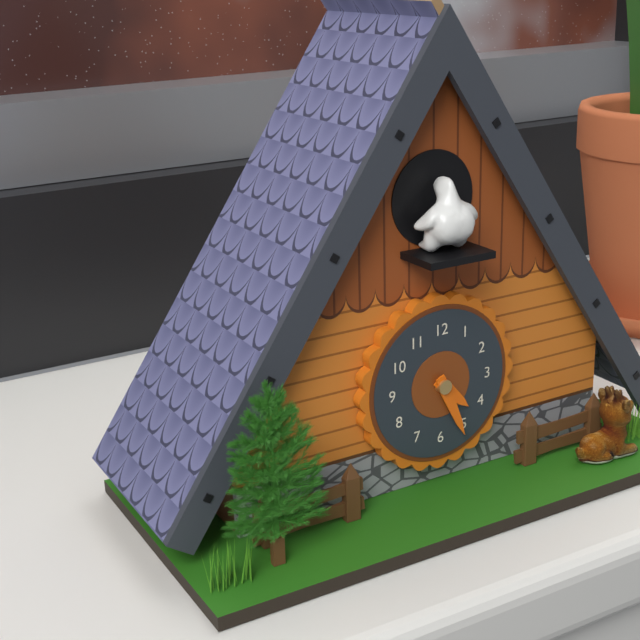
4:26
